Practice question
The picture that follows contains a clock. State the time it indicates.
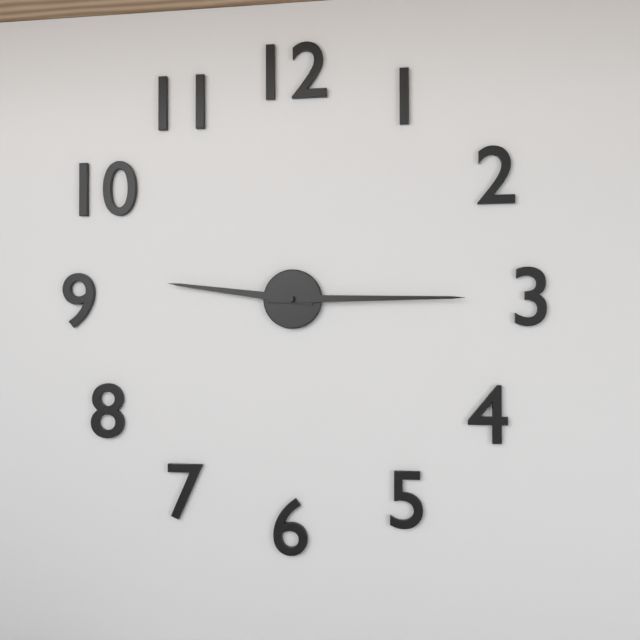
9:15
